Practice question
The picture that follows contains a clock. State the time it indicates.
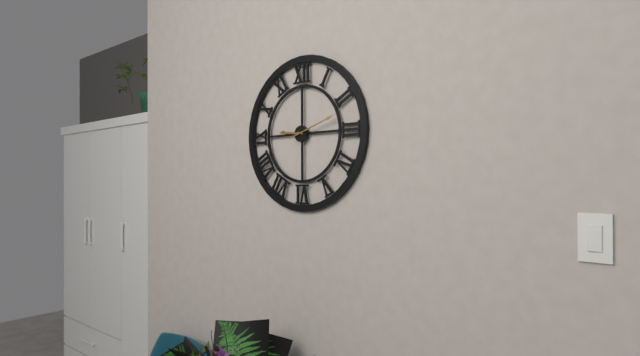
9:12
